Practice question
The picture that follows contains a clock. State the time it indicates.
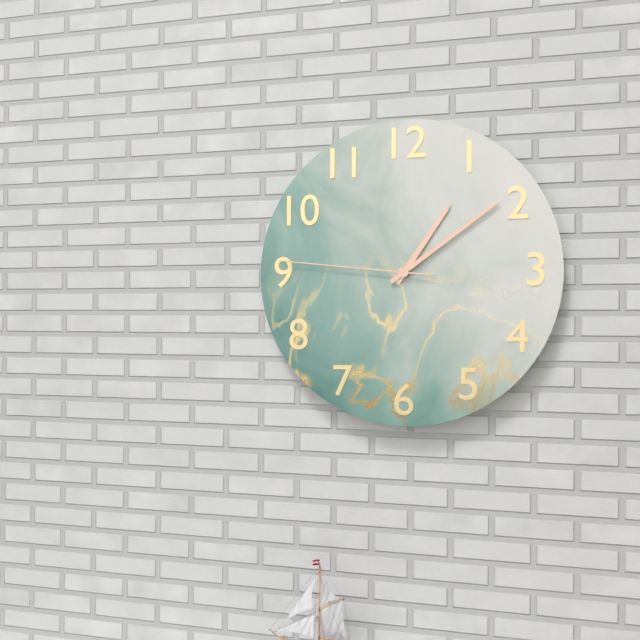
1:09:46
